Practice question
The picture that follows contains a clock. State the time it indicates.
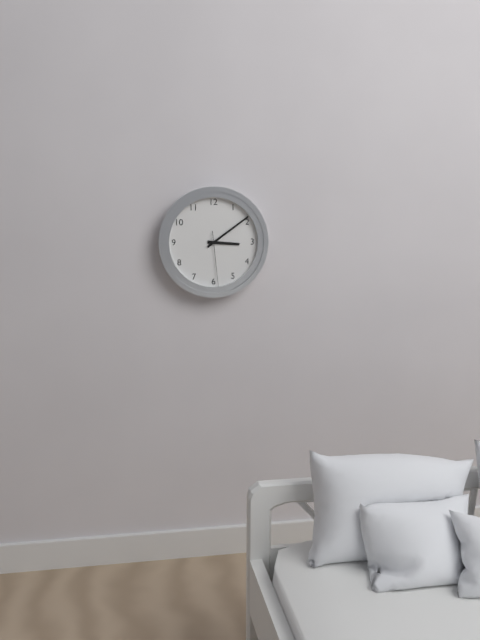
3:09:29
